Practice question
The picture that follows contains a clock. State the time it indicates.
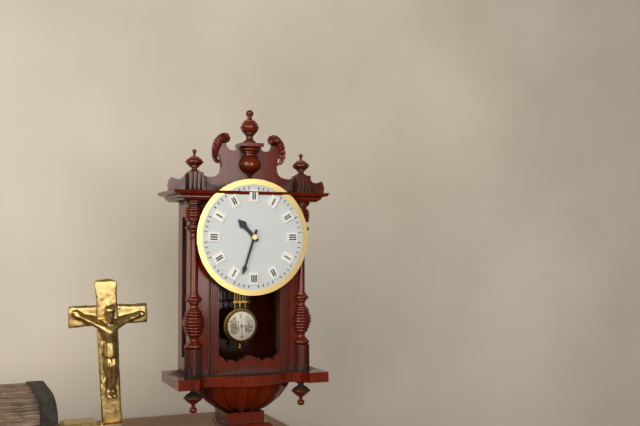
10:33
